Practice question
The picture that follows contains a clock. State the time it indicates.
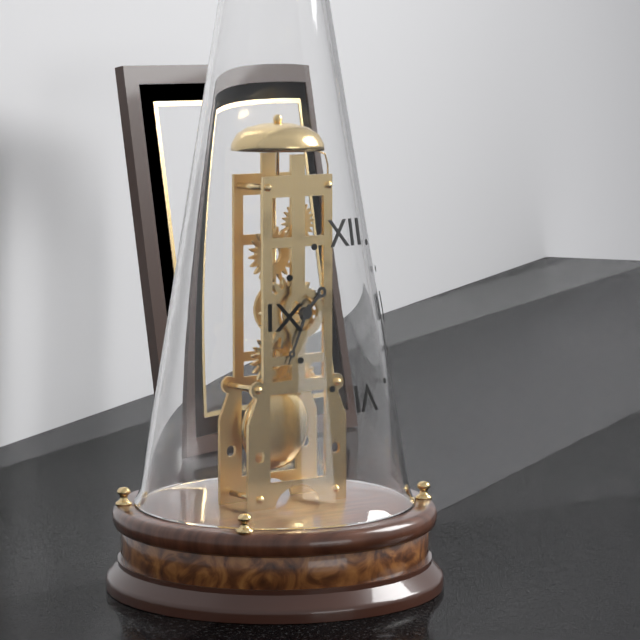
1:34
